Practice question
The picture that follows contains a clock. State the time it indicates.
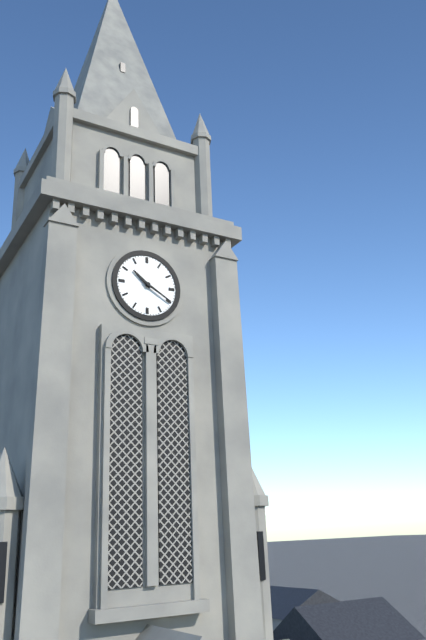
10:20
